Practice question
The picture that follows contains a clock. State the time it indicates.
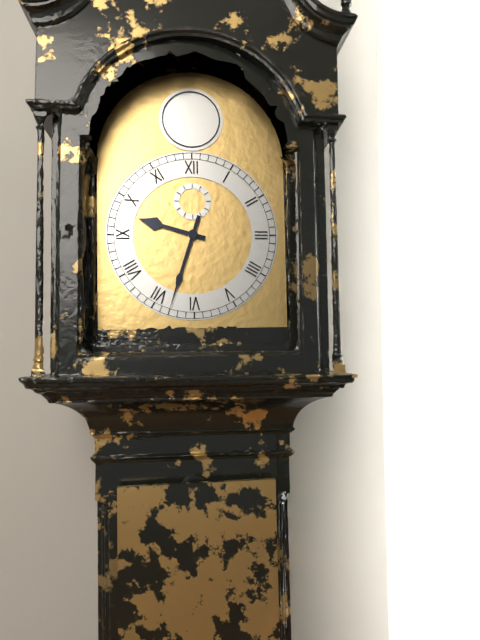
9:33
